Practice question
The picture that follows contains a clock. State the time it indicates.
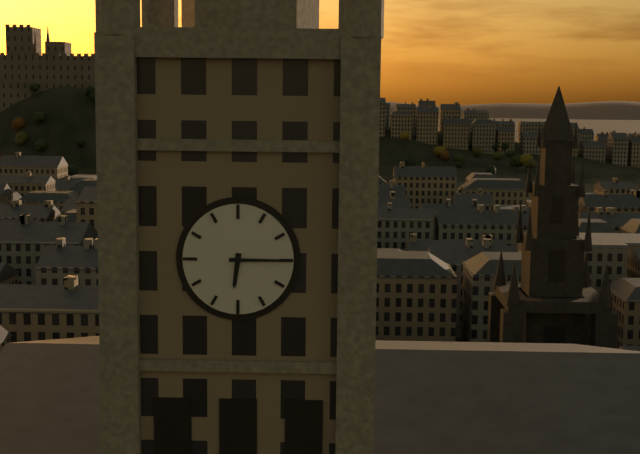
6:15
